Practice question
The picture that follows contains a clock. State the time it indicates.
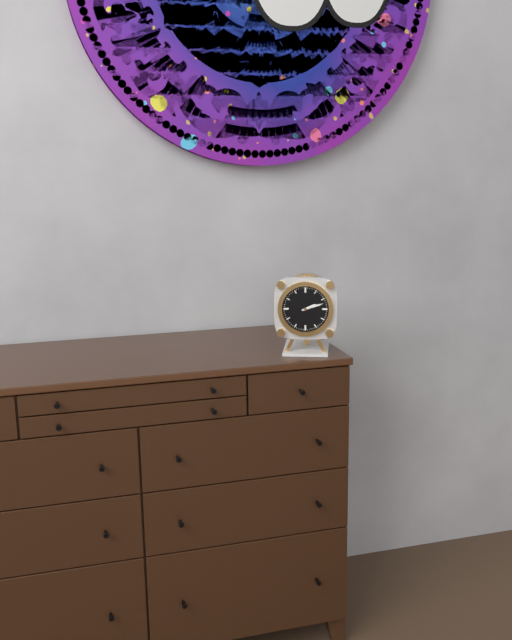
2:12
